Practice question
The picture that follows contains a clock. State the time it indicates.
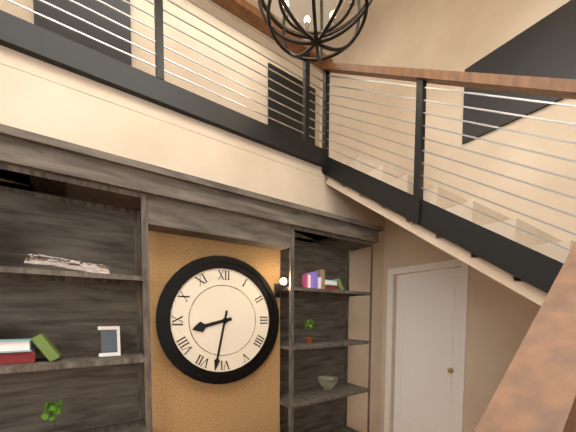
8:32
